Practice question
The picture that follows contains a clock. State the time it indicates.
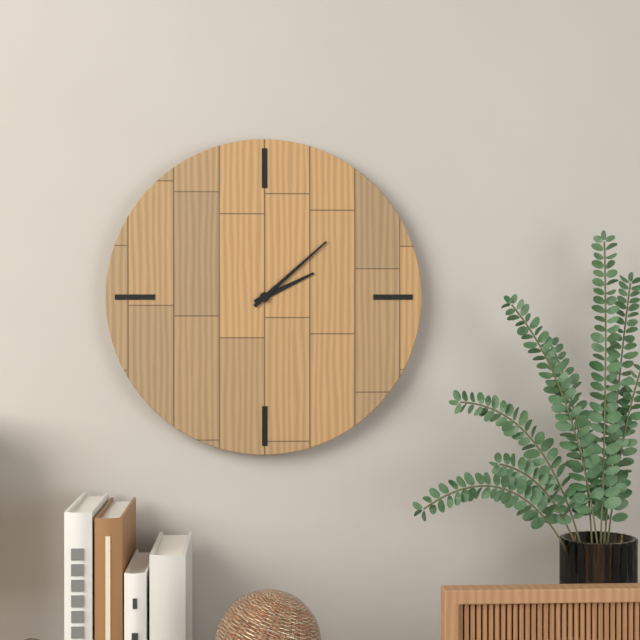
2:08
